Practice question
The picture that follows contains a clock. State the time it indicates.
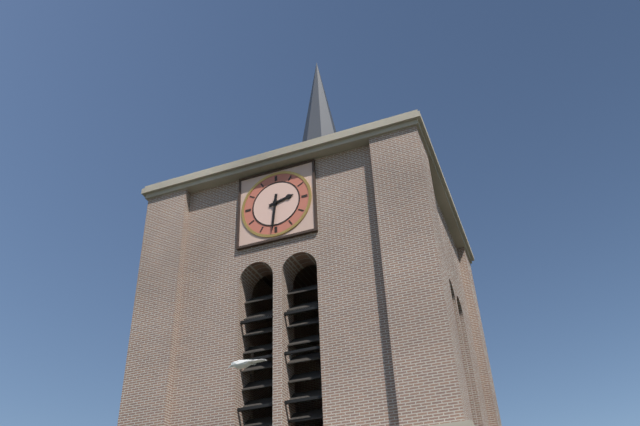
2:31
